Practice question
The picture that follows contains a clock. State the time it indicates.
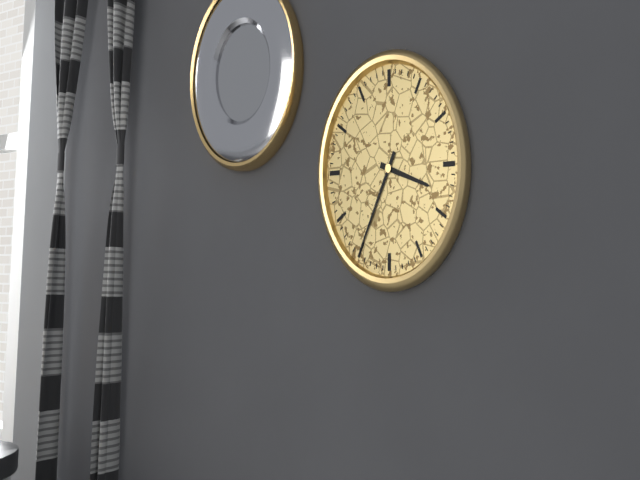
3:35
